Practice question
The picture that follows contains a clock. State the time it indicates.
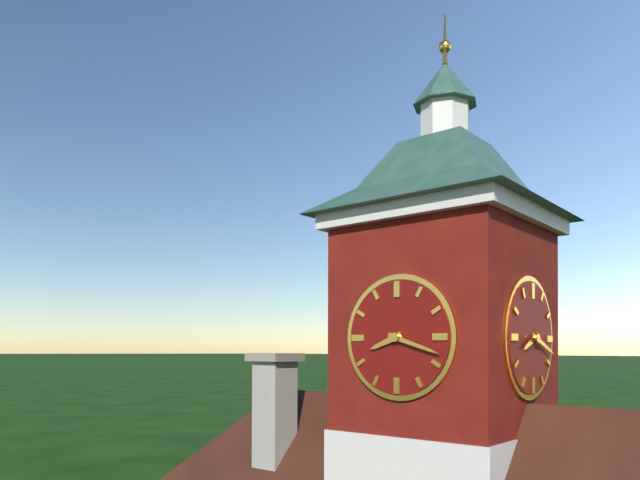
8:18
